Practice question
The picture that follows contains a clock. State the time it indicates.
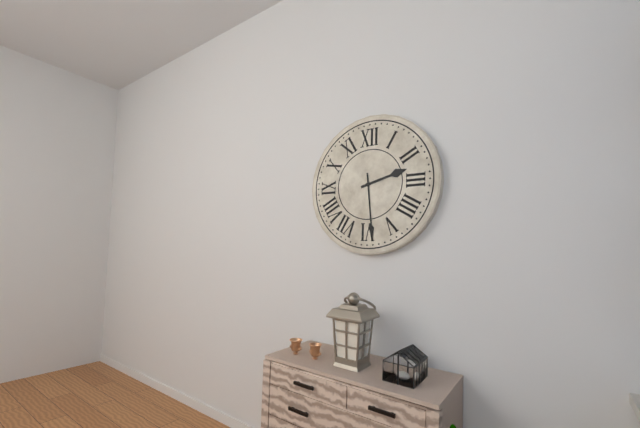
2:29
